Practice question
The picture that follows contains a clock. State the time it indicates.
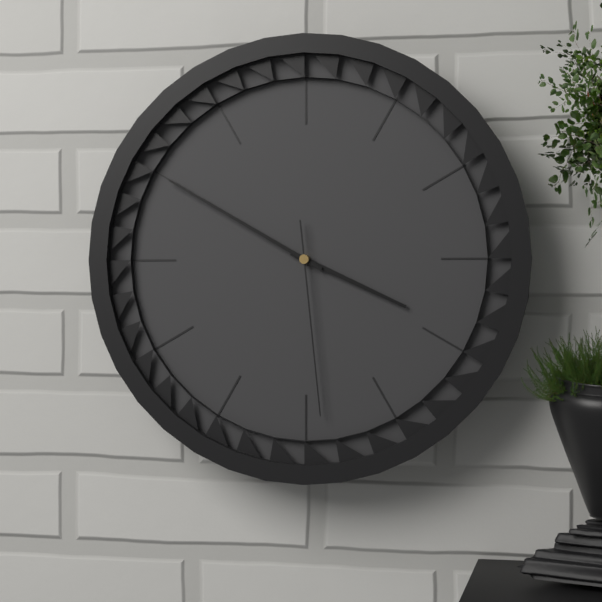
3:50:29
